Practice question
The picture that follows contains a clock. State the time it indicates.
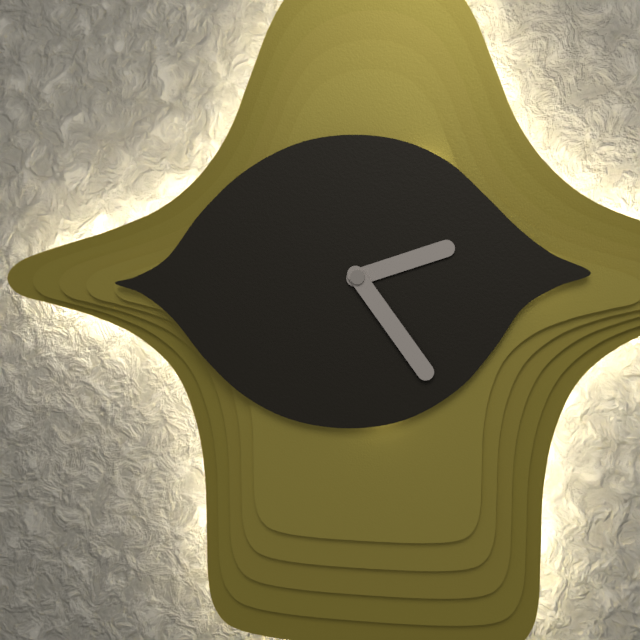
2:24
